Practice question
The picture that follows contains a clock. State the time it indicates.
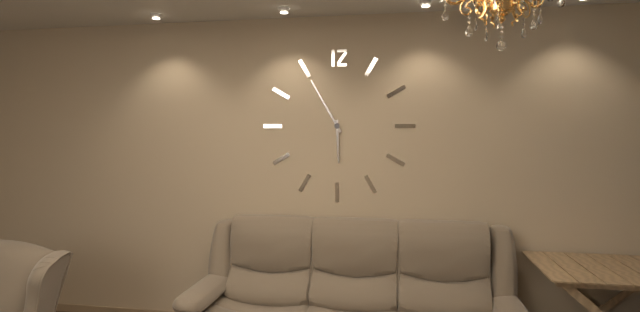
5:55
